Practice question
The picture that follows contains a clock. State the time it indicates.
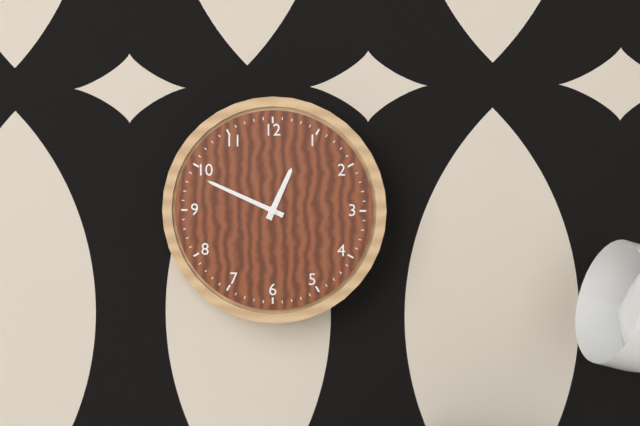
12:49
